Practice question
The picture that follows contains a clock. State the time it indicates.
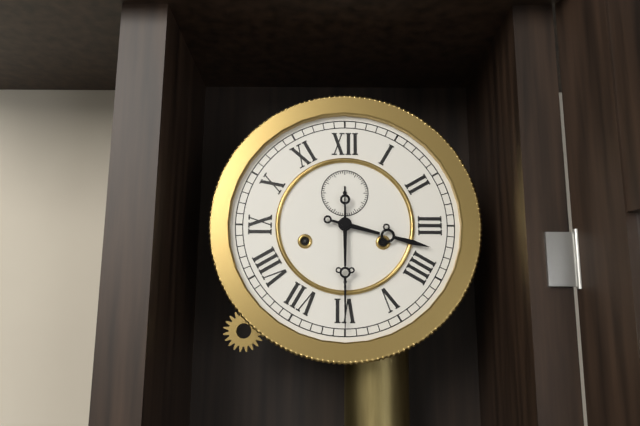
3:30
